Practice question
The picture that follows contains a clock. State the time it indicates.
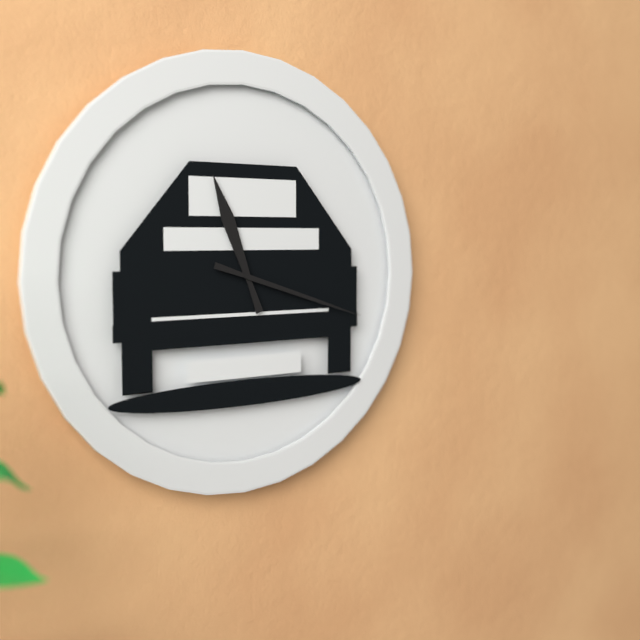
11:18
